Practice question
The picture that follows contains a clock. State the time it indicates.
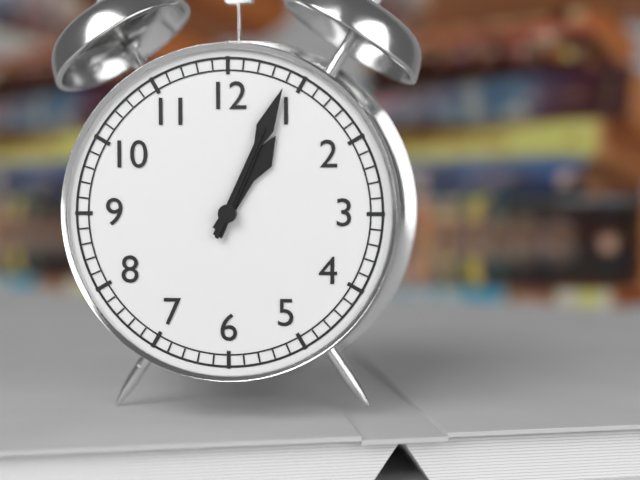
1:04:04
